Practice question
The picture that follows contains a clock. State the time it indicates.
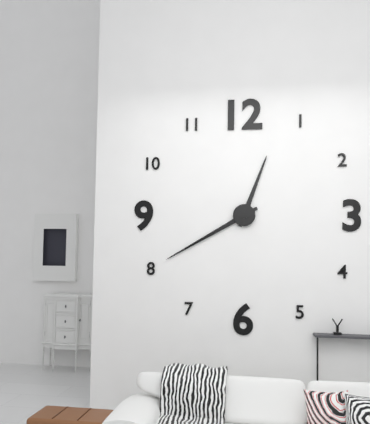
12:40
